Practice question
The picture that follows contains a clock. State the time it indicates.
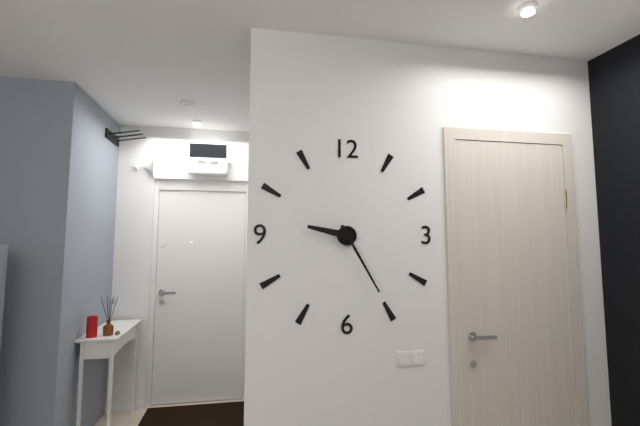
9:25
